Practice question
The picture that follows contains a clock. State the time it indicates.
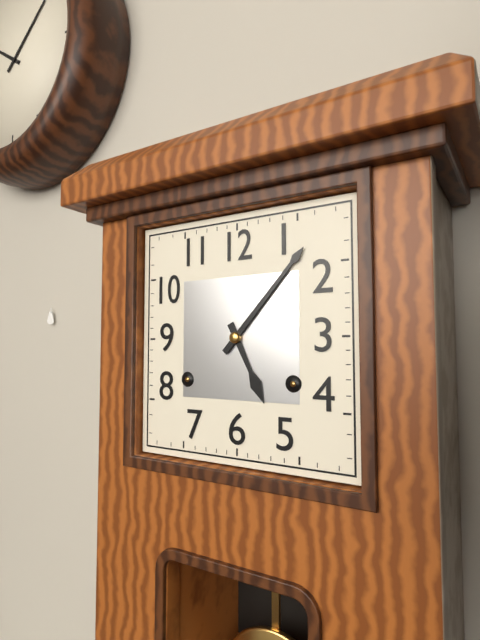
5:07
